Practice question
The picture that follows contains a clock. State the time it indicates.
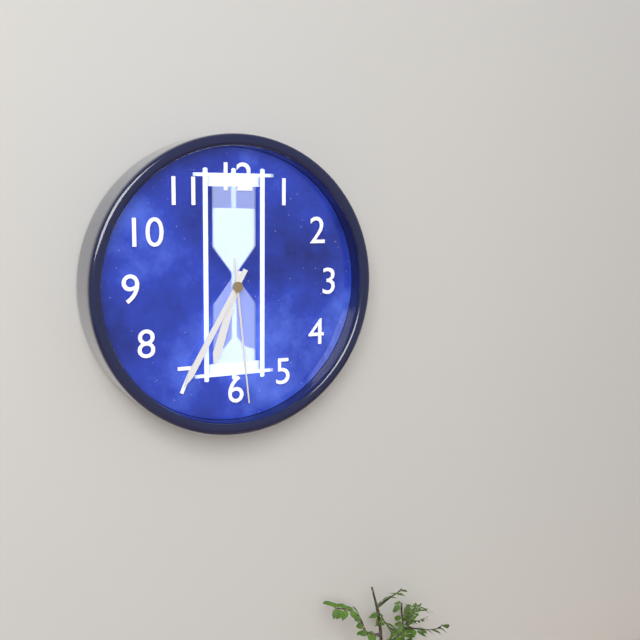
6:35:29
